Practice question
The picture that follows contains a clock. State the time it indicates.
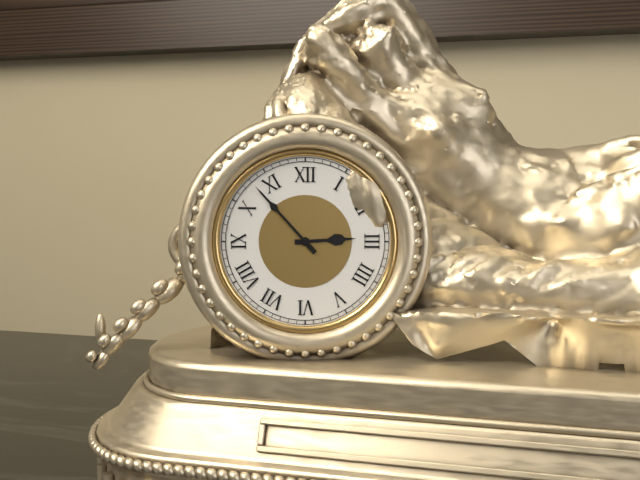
2:53
